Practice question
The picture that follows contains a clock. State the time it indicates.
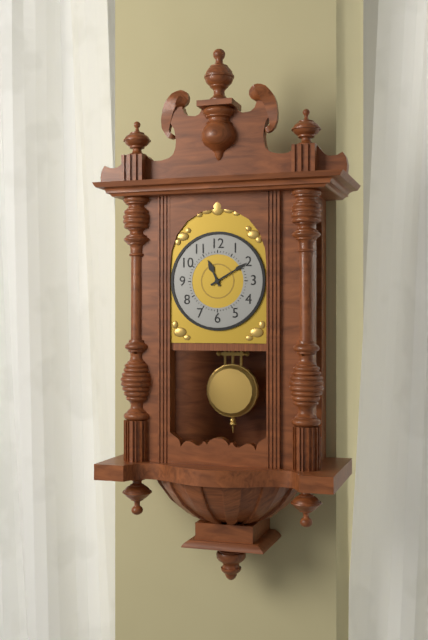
11:10
